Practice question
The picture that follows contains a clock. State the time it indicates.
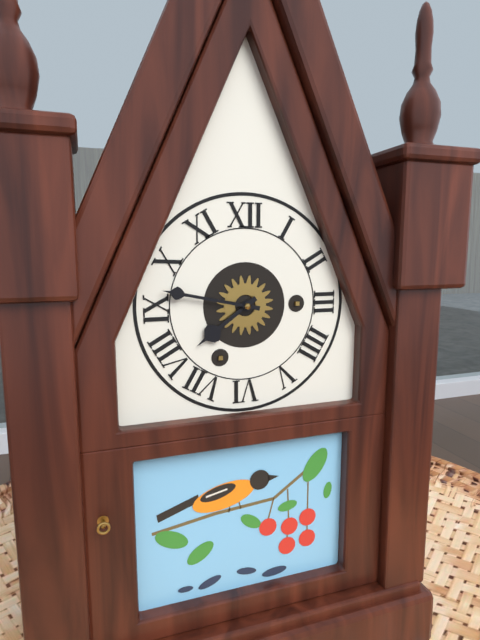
7:47
